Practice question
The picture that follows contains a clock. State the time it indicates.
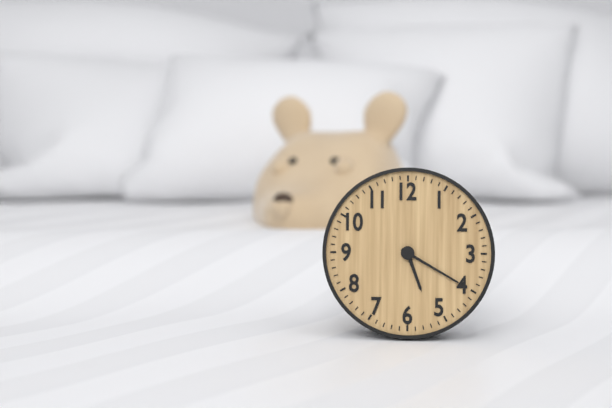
5:20
